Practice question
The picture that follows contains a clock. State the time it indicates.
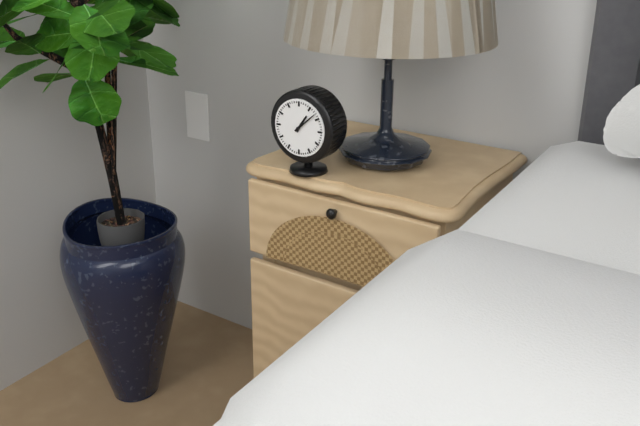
1:08
